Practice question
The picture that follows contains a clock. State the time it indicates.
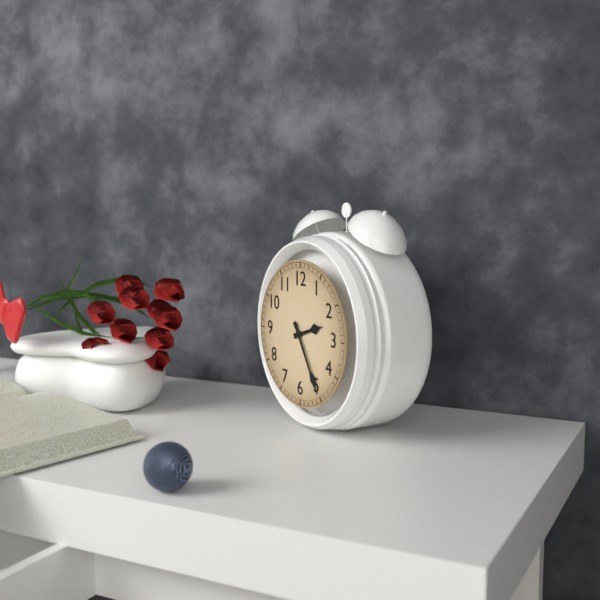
2:25
